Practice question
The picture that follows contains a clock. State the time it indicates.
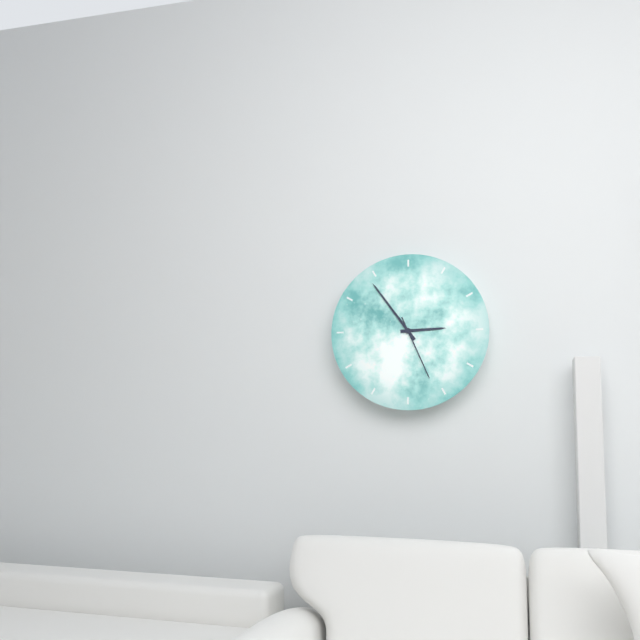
2:54:26
